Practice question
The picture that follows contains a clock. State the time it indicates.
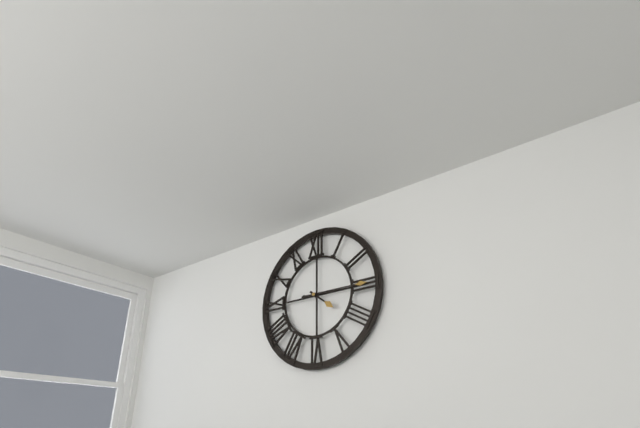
4:15
